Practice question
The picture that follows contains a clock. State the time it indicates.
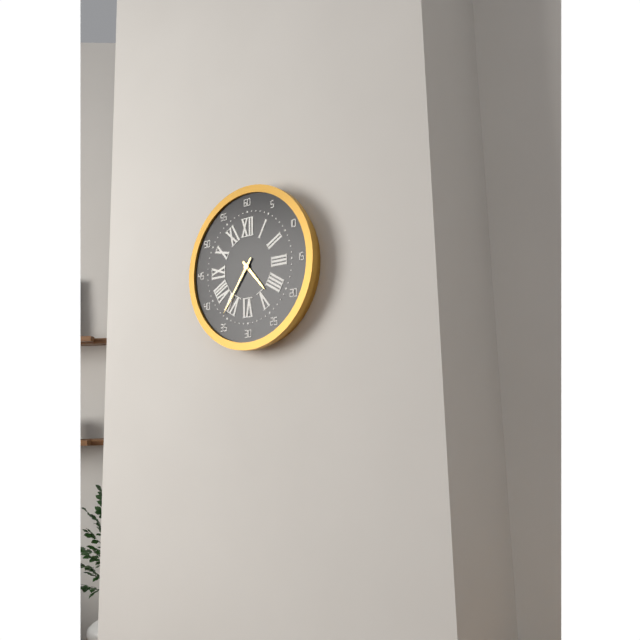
4:36
